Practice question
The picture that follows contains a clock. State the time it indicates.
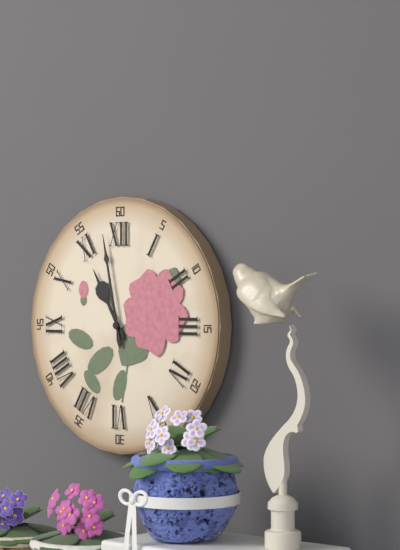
10:58
